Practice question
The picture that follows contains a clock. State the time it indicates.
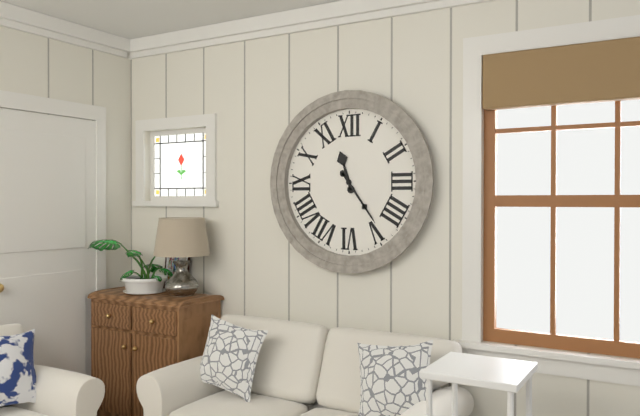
11:24
